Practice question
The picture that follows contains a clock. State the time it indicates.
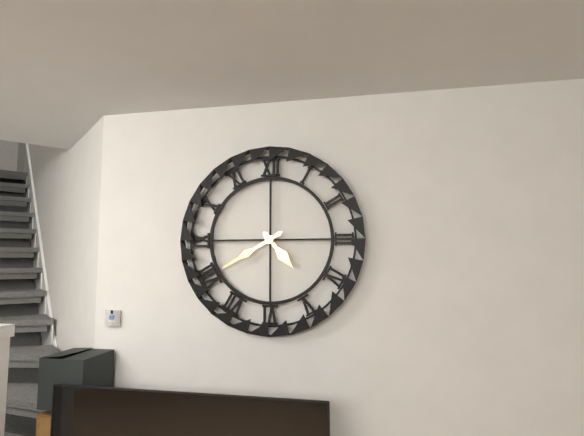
4:40
